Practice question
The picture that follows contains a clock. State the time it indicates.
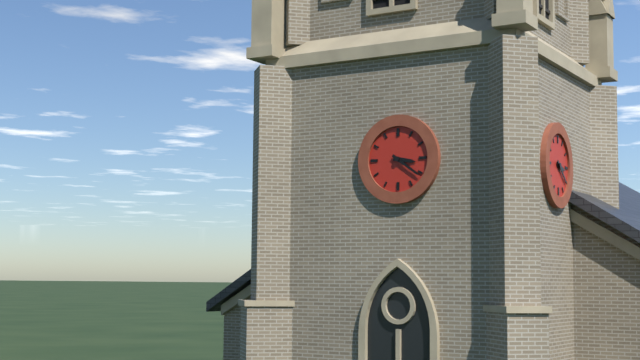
3:21
